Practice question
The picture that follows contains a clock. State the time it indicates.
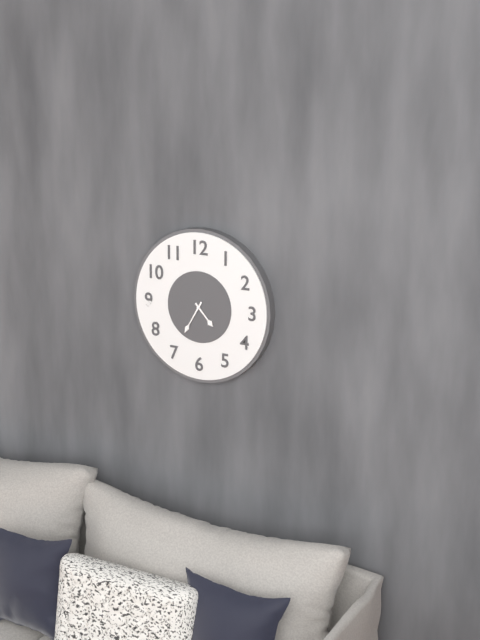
4:35
